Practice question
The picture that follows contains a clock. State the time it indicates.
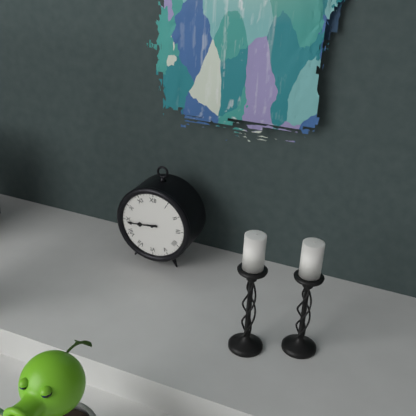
8:44
